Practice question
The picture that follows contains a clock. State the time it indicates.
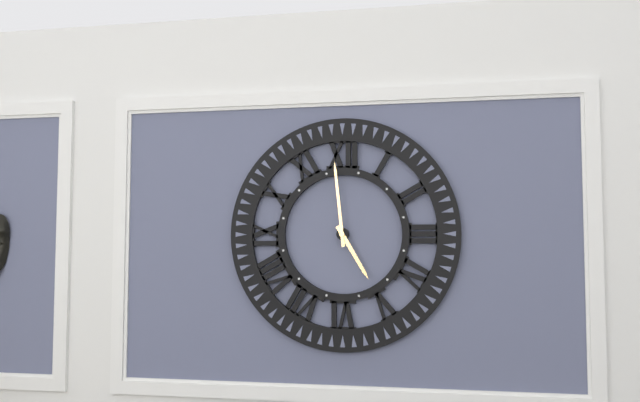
4:59
